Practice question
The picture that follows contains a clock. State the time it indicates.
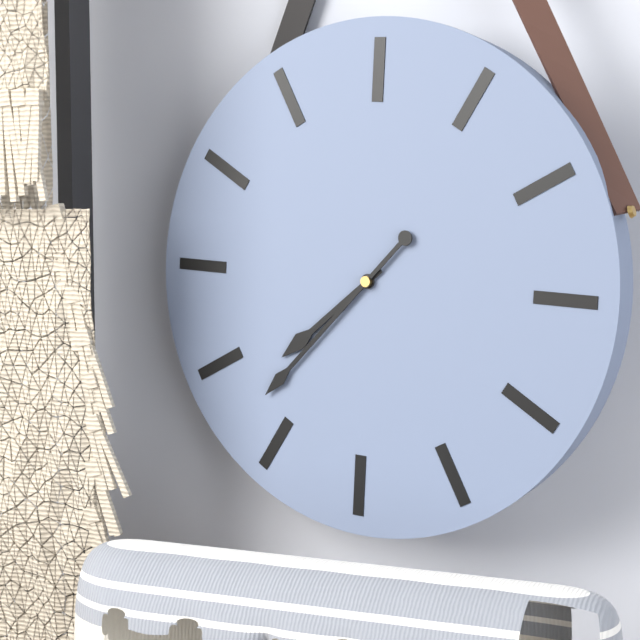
7:37
